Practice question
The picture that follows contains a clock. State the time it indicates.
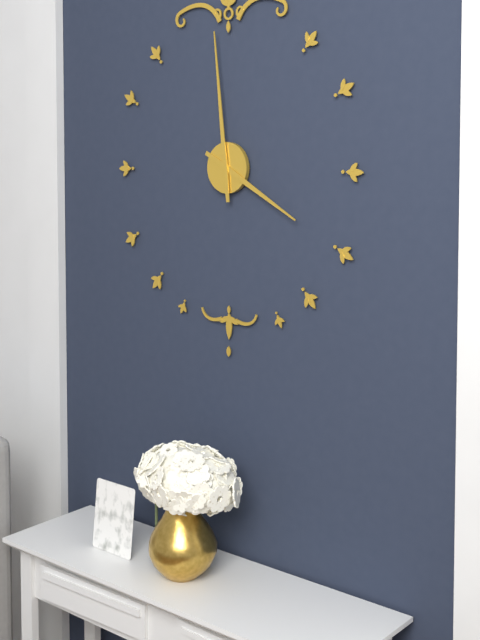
3:59
